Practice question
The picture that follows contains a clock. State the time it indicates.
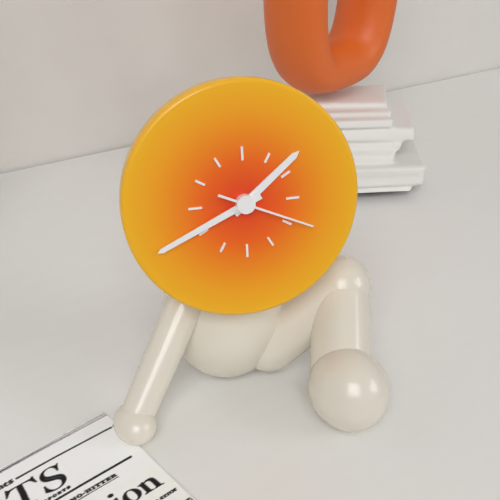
1:41:19
